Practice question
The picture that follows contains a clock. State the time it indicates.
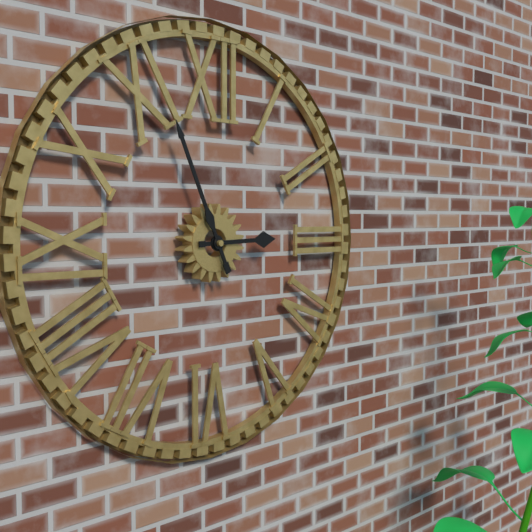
2:56
